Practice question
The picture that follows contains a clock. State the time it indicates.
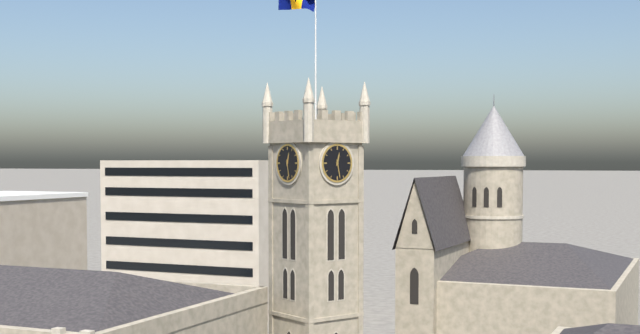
12:28
